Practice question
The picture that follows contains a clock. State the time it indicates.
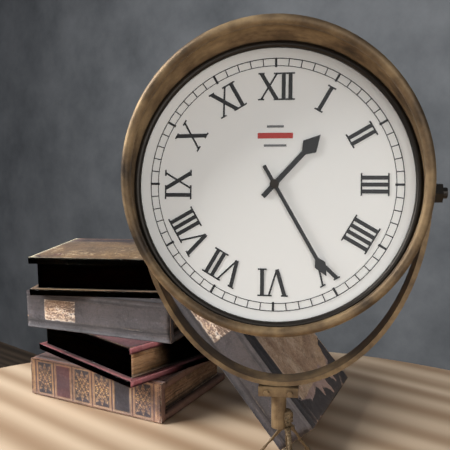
1:25
